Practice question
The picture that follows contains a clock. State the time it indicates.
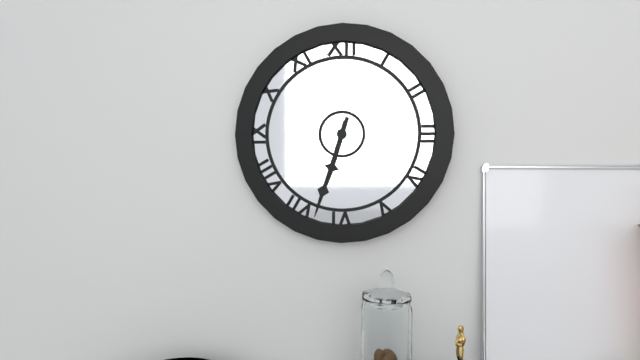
6:33
